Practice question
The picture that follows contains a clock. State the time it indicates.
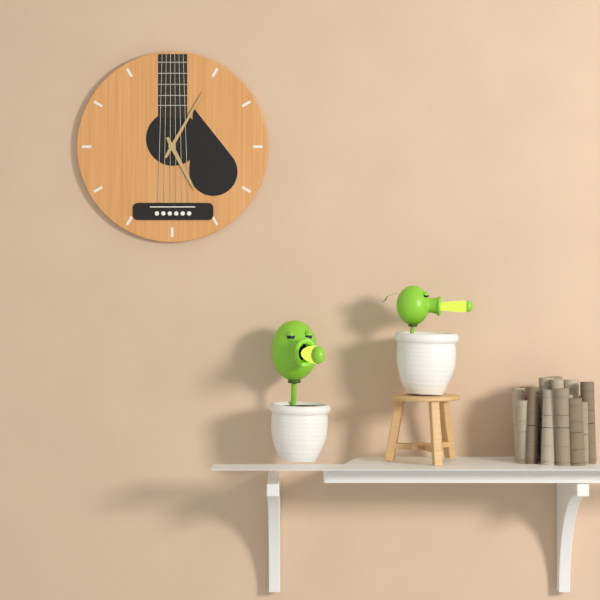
5:05
